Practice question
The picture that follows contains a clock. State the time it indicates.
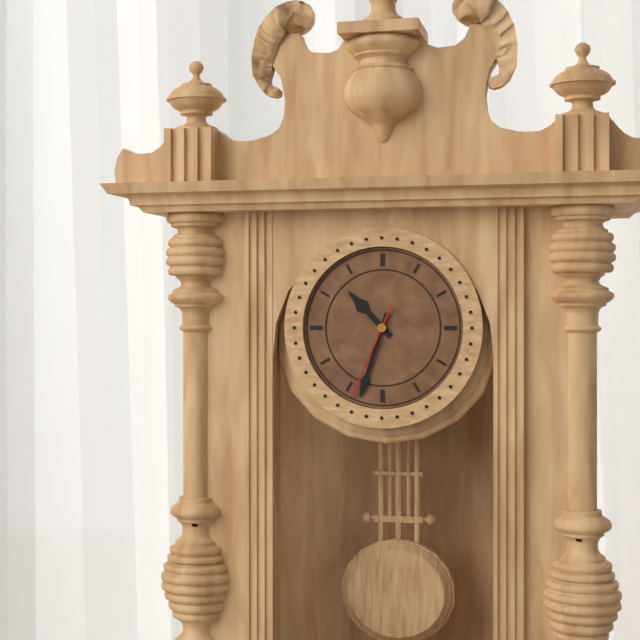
10:33:34
